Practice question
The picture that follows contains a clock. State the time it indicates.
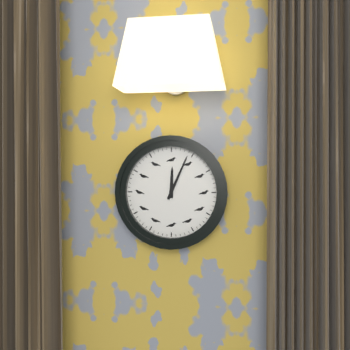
12:04
